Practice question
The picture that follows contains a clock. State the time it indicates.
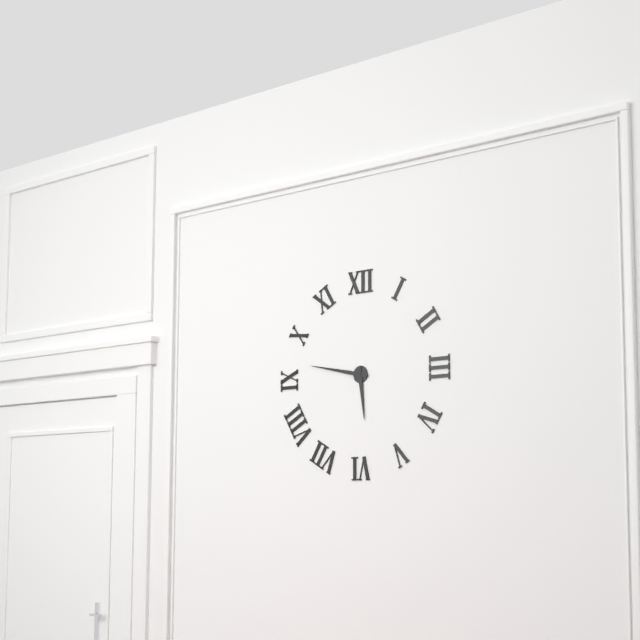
5:47
